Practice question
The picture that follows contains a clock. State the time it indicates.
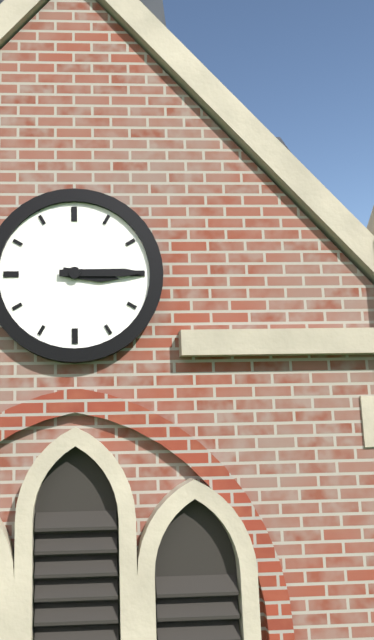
3:15
